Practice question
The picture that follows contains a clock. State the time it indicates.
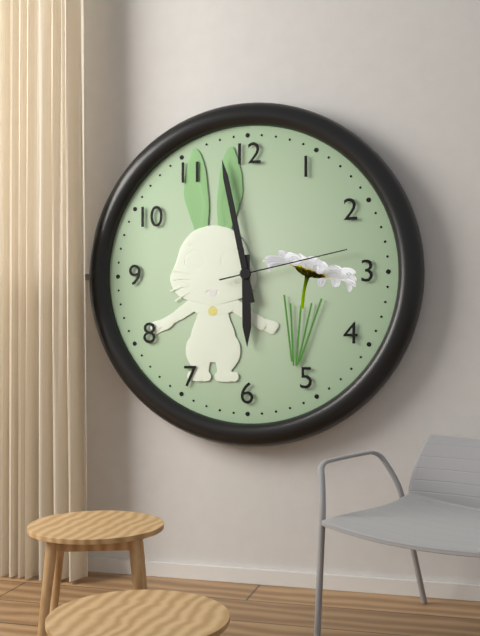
5:58:13
